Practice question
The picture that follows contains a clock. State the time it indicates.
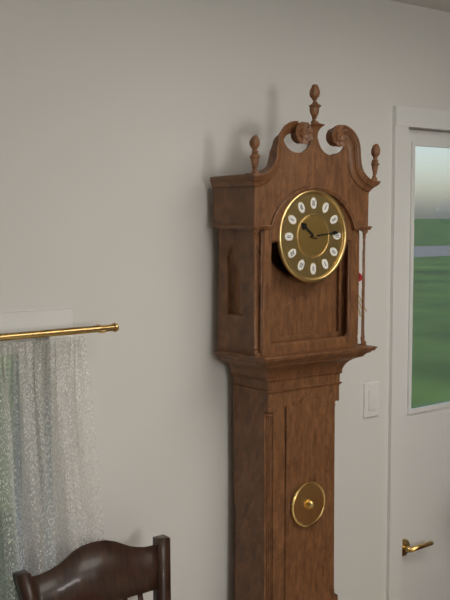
10:14
